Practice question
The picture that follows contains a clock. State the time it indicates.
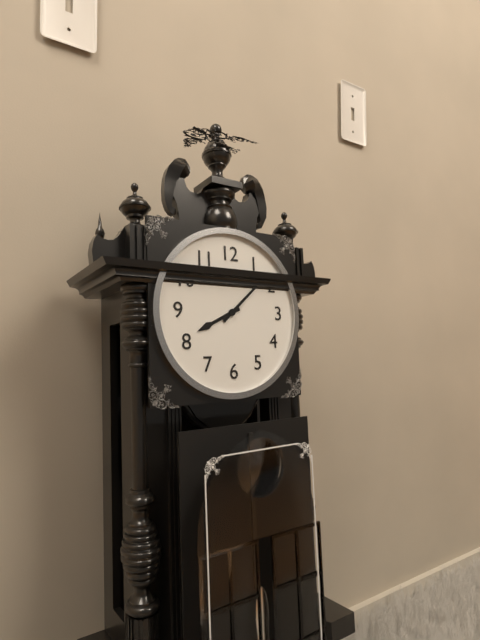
8:08
